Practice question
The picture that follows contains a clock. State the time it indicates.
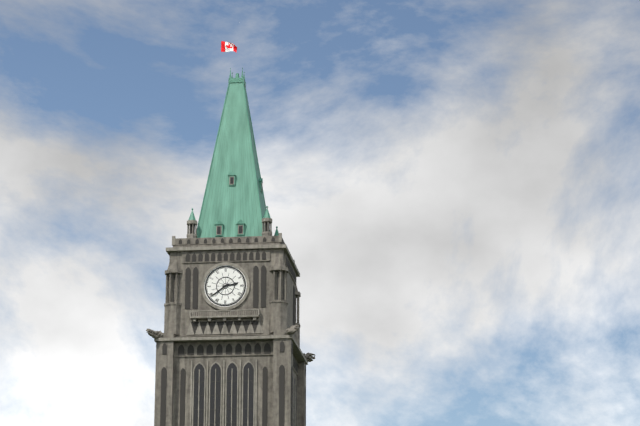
2:39
